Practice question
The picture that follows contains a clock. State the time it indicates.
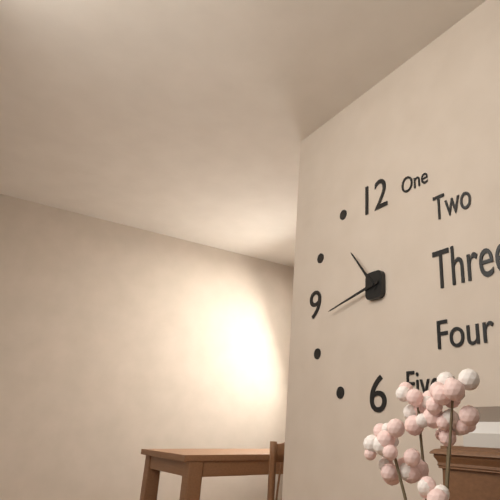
10:43
